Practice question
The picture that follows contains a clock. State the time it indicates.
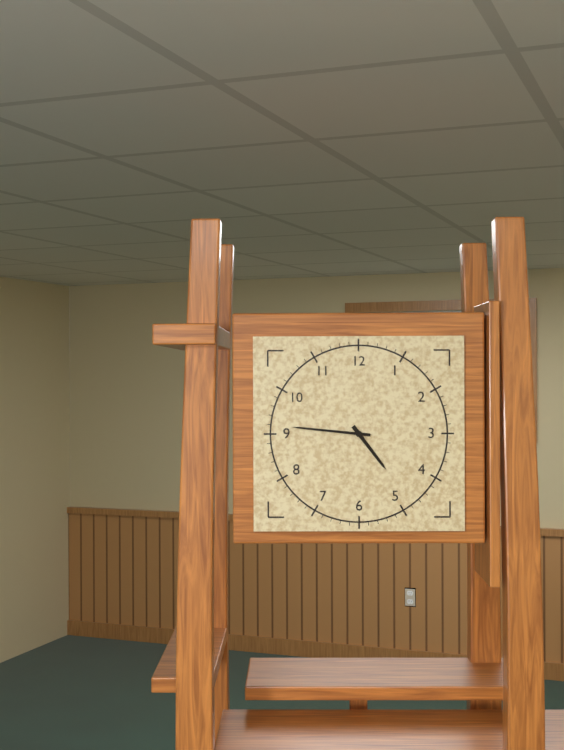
4:46
